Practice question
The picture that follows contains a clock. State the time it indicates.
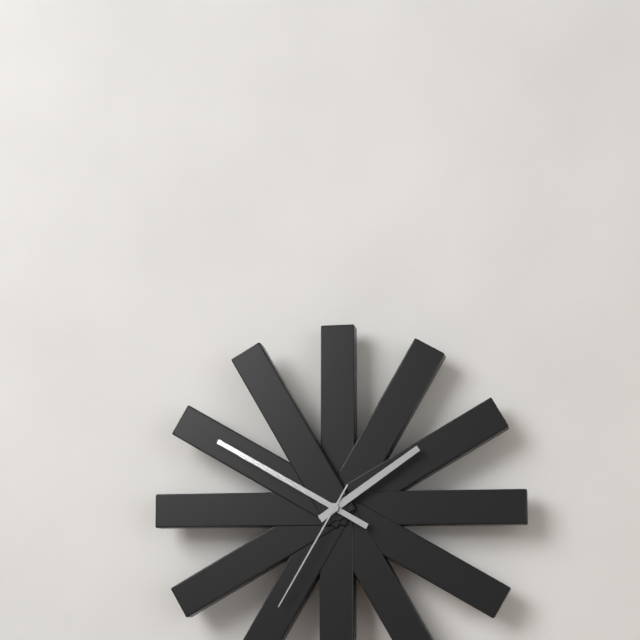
1:50:35
